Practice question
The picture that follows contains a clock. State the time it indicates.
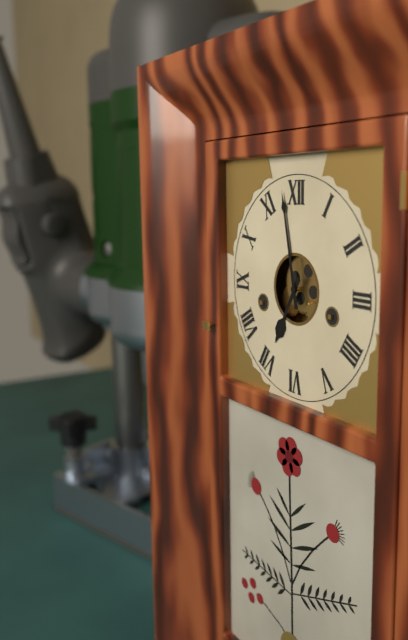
6:58
